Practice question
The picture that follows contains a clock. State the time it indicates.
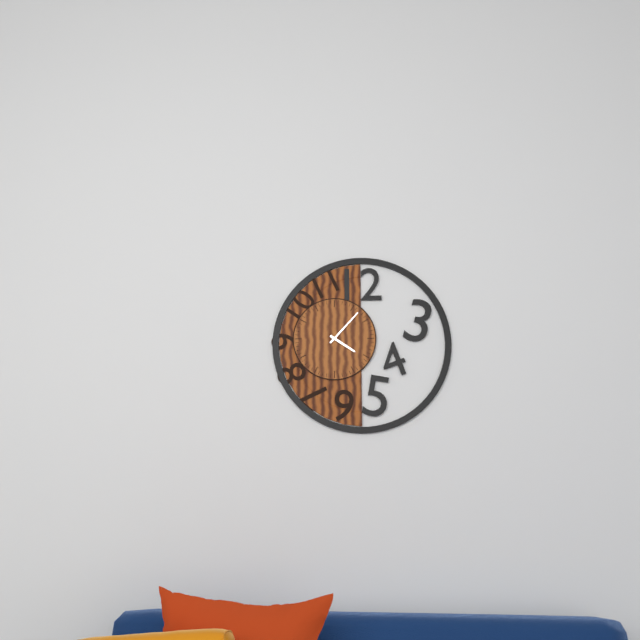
4:07
